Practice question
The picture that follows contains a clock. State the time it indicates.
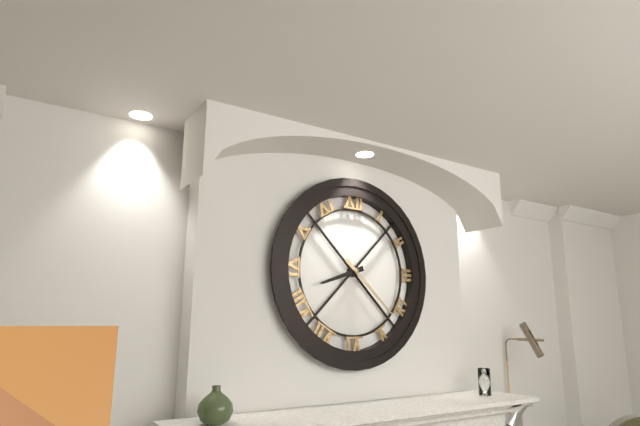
8:22
